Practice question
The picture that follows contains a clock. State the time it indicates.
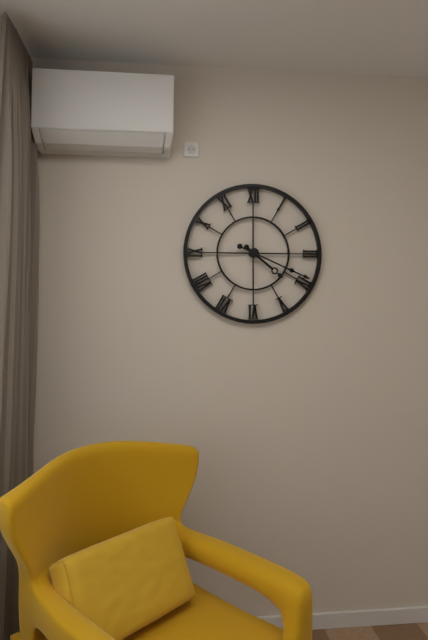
4:19
